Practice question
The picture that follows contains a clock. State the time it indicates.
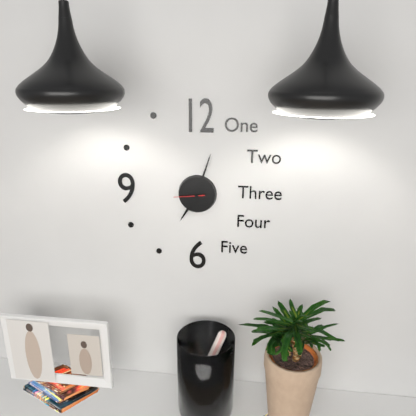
7:03
